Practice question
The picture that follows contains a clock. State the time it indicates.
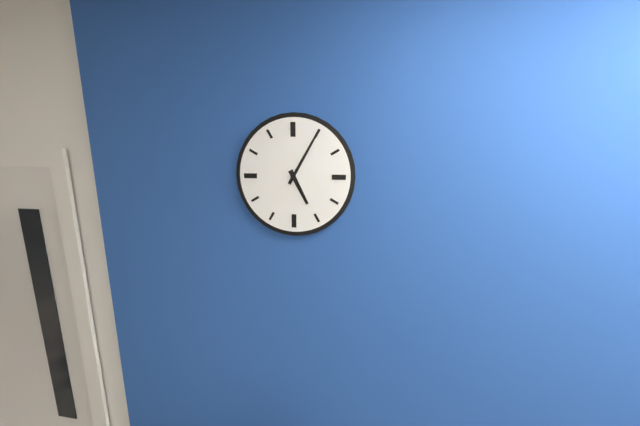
5:05
